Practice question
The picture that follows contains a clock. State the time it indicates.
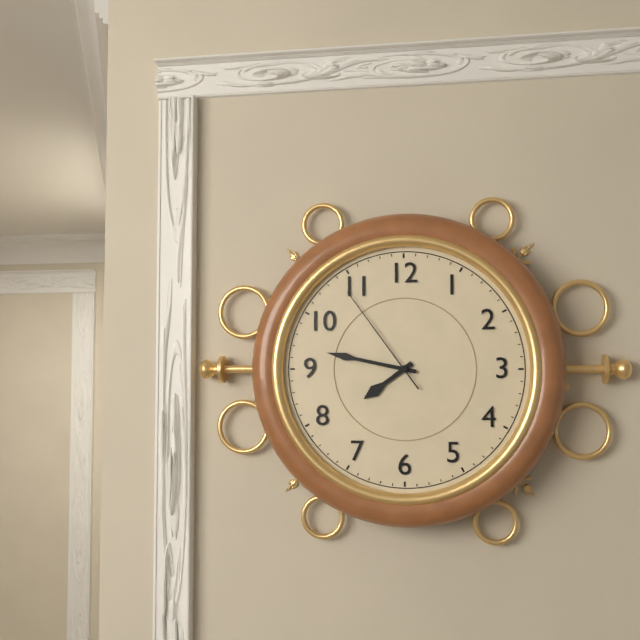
7:47:54
